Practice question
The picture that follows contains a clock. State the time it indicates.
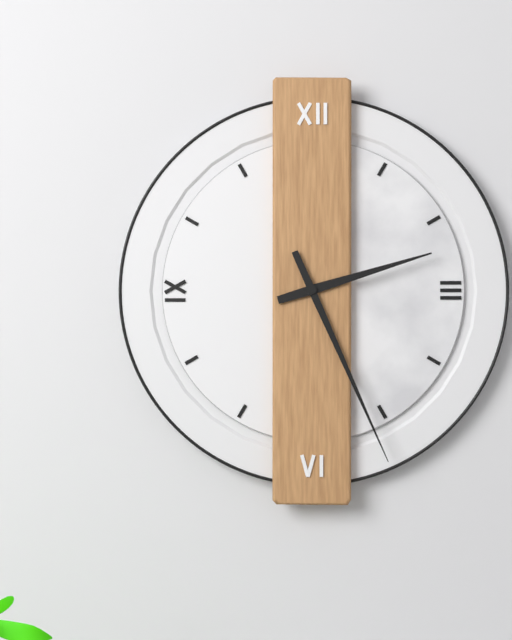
2:26
